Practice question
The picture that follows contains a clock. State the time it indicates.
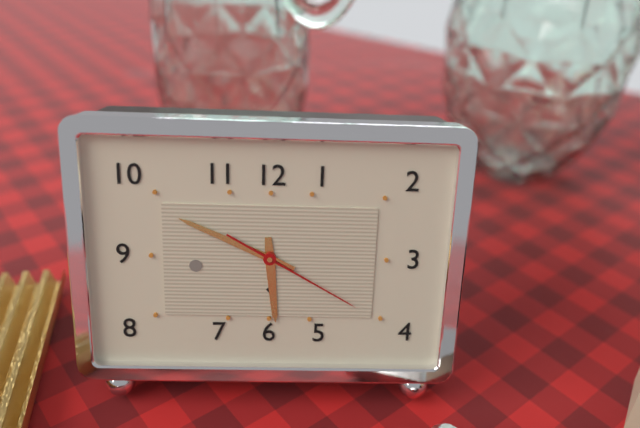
5:49:20
